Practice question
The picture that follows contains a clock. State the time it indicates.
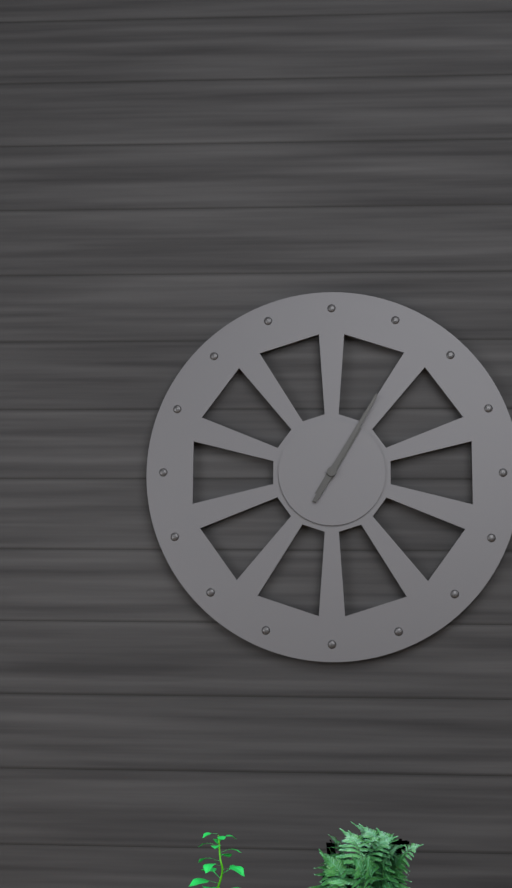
1:05
